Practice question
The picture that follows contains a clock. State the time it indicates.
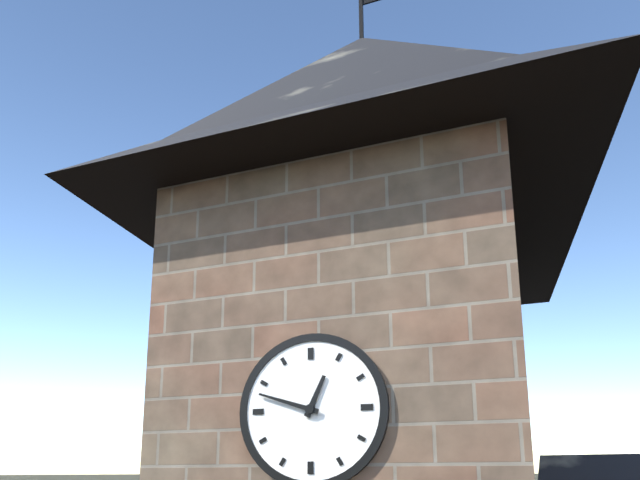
12:48
